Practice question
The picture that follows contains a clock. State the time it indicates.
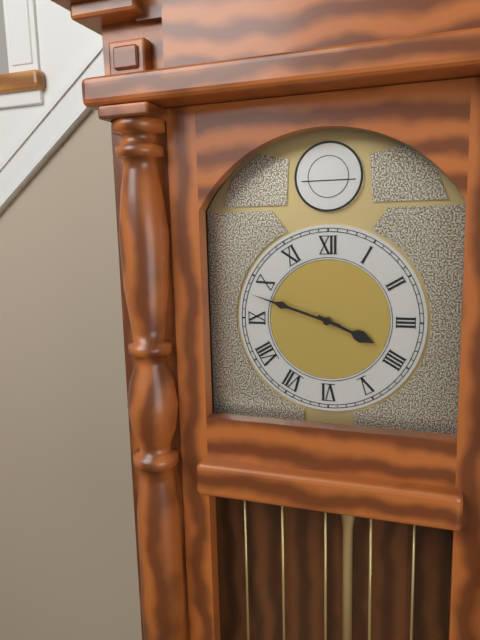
3:48
